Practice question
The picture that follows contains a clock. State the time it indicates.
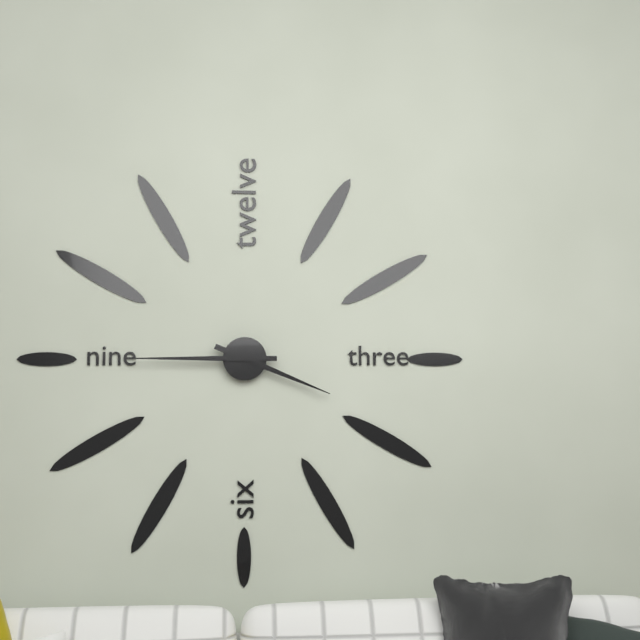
3:45
